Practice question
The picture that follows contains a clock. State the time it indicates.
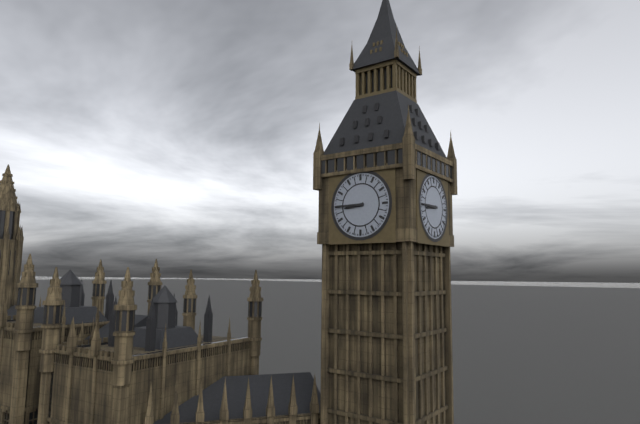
8:45
